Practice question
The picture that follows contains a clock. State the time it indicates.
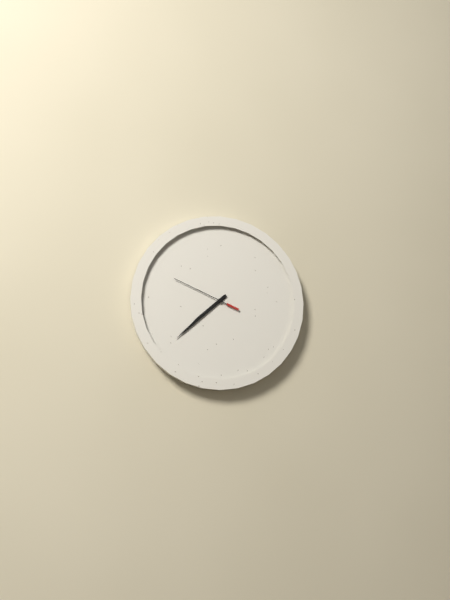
7:38:49
